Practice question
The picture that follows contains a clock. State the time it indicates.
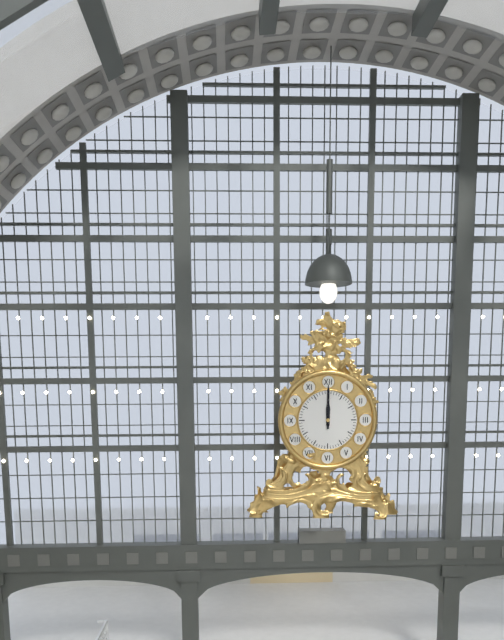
12:00
